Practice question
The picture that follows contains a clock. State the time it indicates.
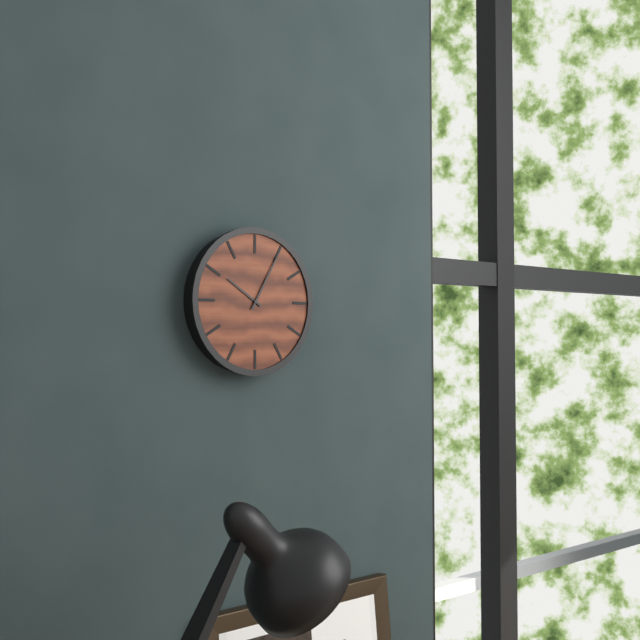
10:05
